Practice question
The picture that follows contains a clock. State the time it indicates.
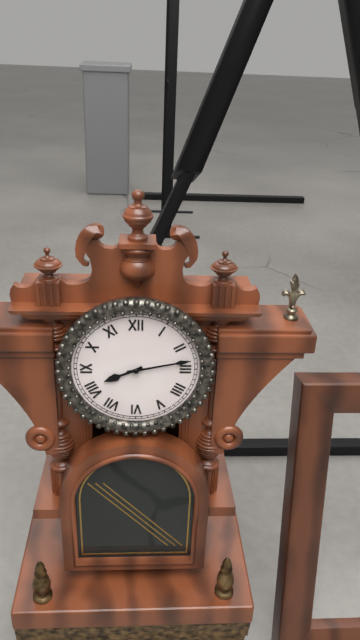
8:13
